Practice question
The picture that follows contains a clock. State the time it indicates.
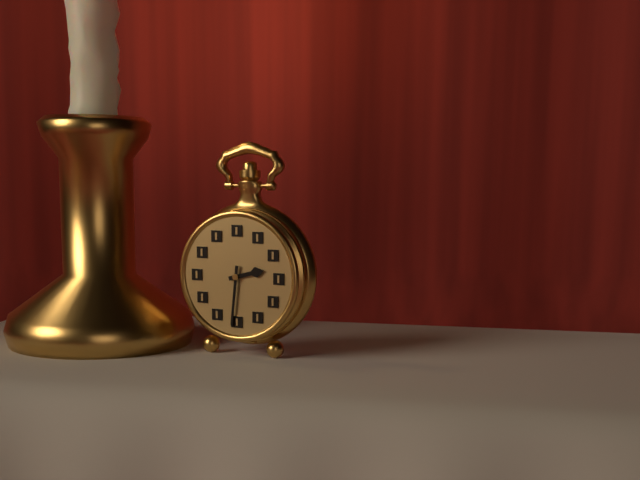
2:31
